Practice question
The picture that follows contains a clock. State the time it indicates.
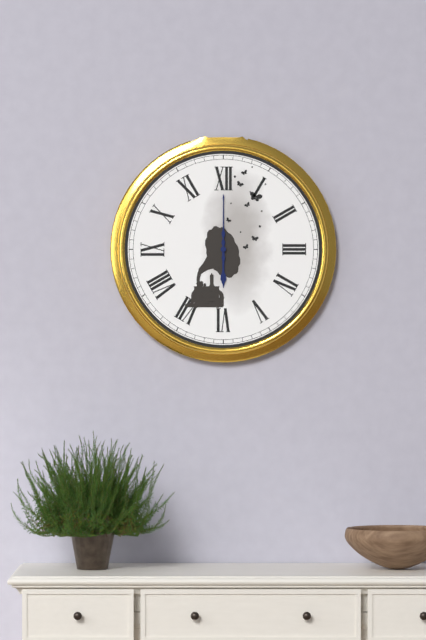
6:00
